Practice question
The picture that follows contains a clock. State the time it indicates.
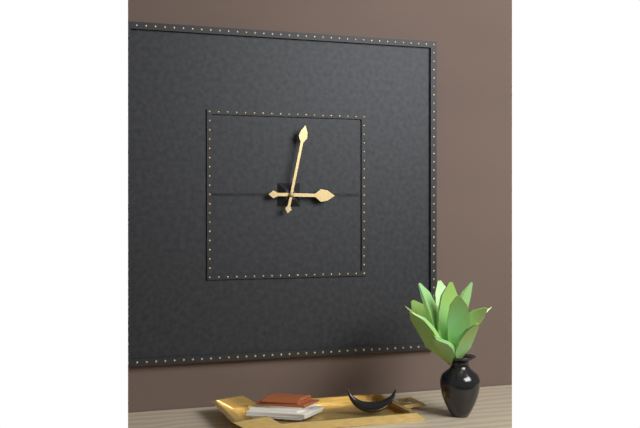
3:02
